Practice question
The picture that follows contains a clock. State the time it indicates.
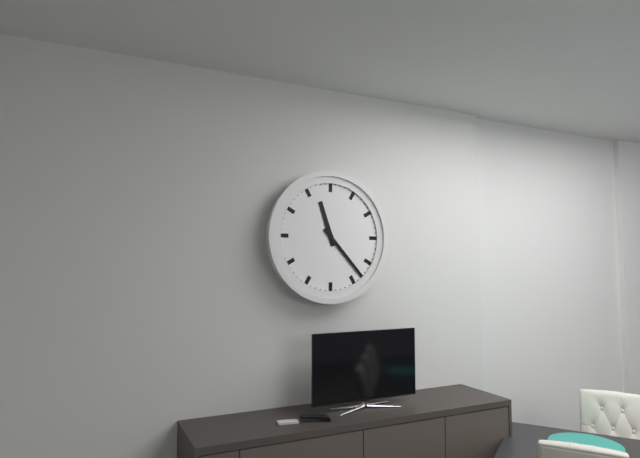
11:23
